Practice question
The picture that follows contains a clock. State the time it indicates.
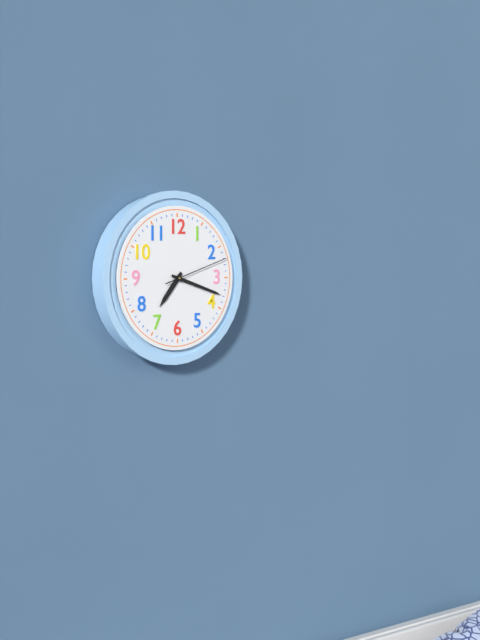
7:18:12
